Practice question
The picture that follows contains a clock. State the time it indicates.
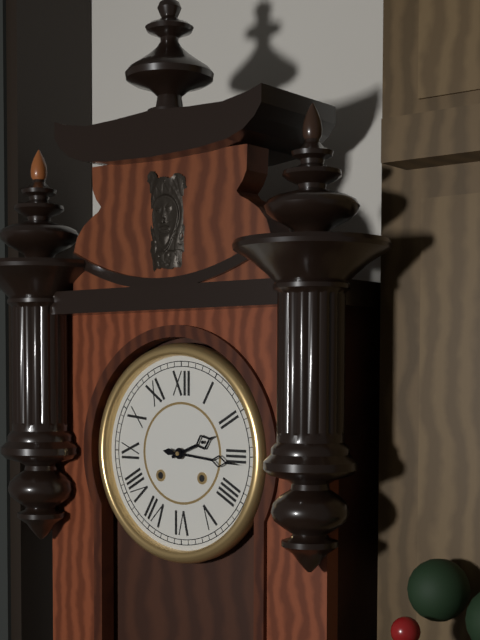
2:16
